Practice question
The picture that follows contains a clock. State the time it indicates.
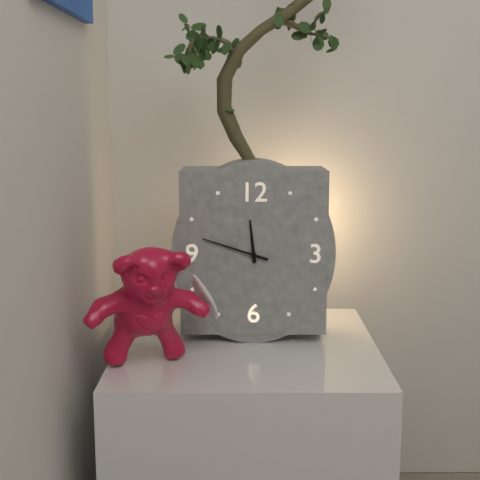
11:48
